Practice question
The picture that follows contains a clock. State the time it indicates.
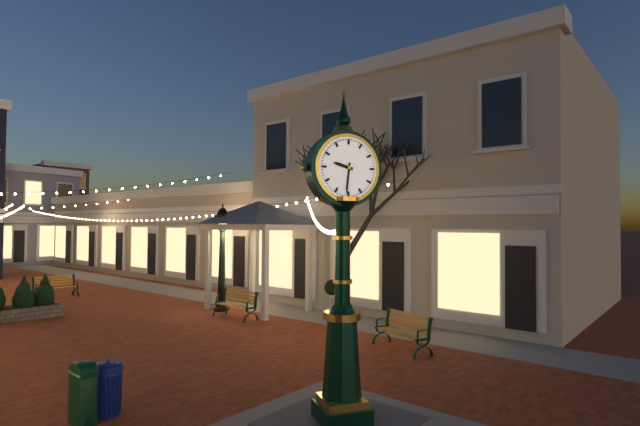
9:31
